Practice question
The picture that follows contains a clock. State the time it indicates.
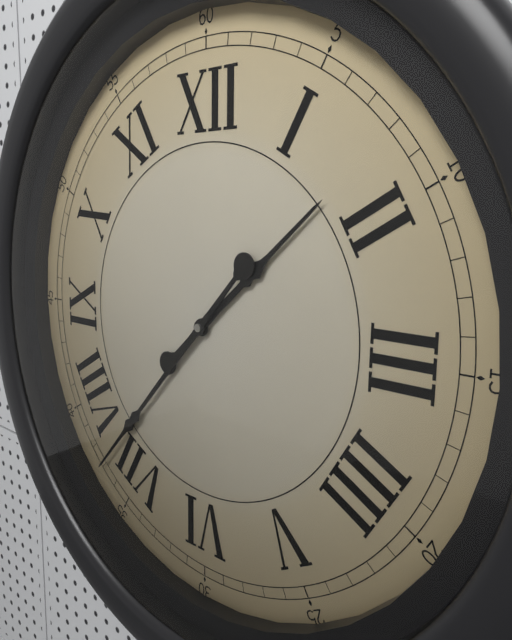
1:37
